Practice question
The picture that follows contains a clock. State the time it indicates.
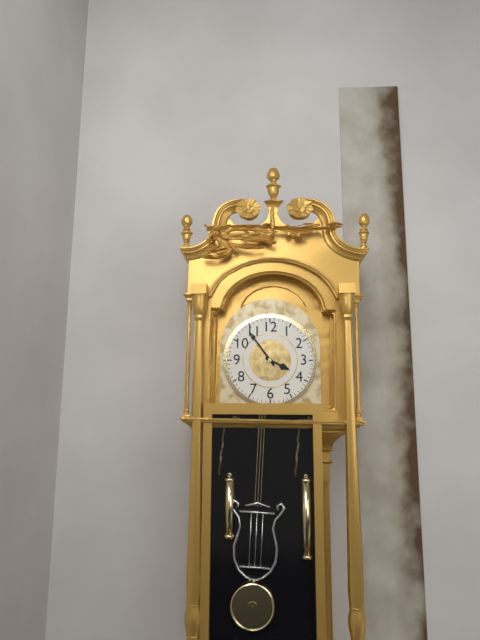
3:54
